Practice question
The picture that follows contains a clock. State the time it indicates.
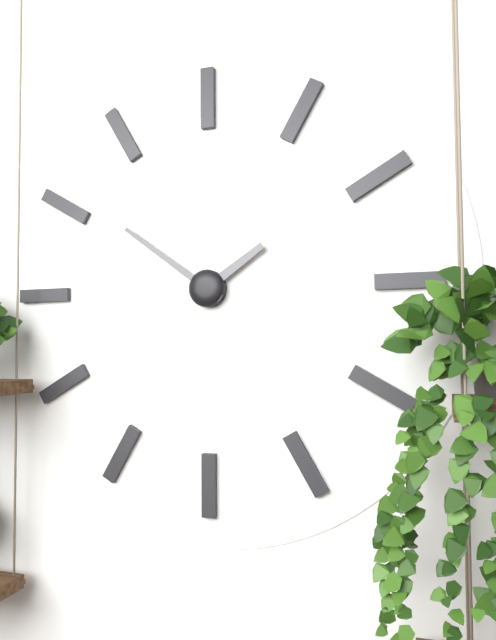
1:51
